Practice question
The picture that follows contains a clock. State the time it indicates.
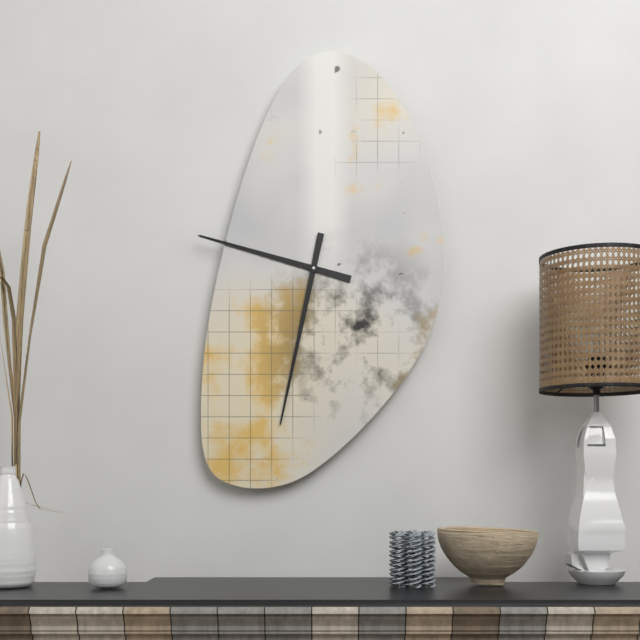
9:32
